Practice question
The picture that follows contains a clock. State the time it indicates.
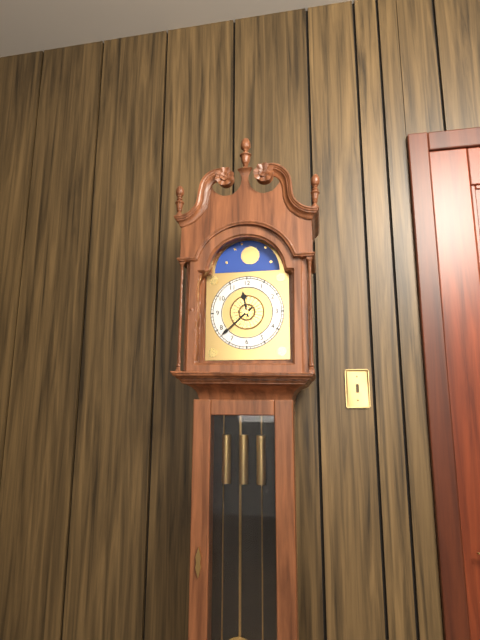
11:38
